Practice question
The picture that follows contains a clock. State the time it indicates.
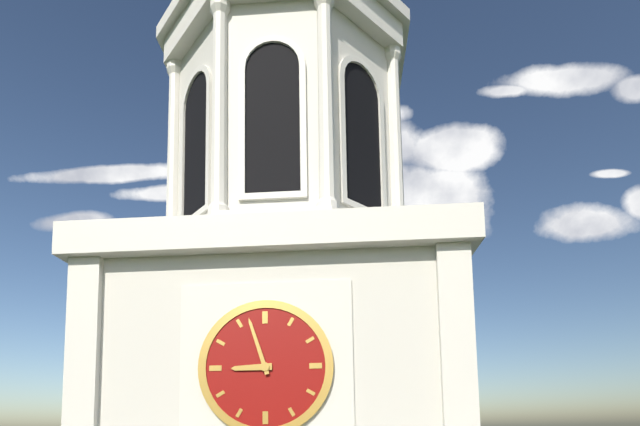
8:57
